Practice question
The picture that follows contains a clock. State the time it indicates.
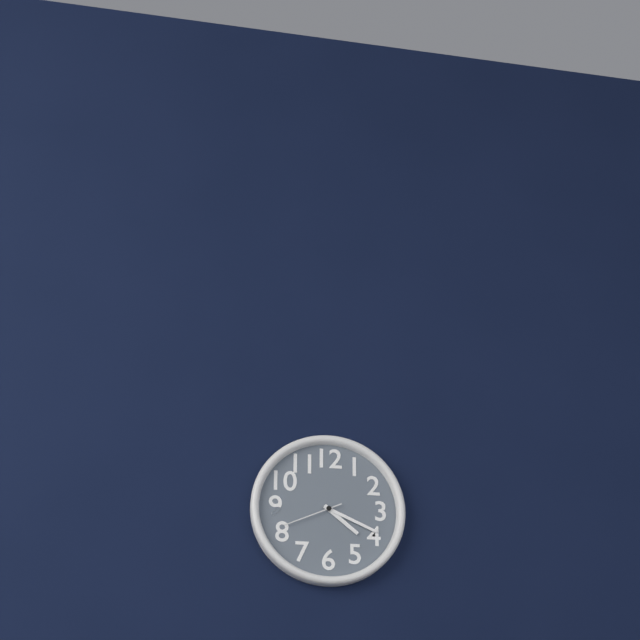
4:19:41
